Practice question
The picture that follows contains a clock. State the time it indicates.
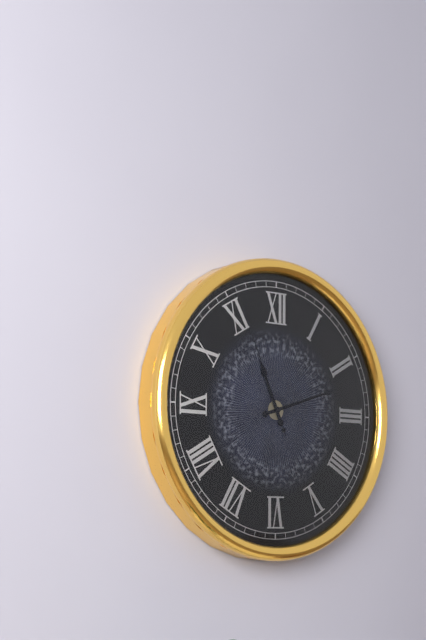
11:12:56
